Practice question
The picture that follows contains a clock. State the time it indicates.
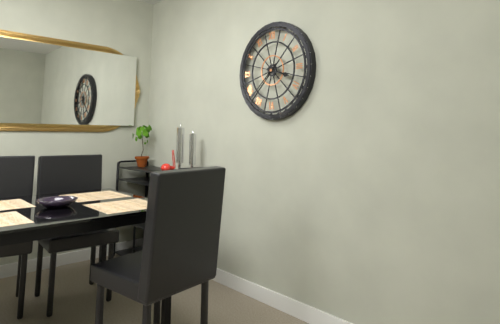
3:38
